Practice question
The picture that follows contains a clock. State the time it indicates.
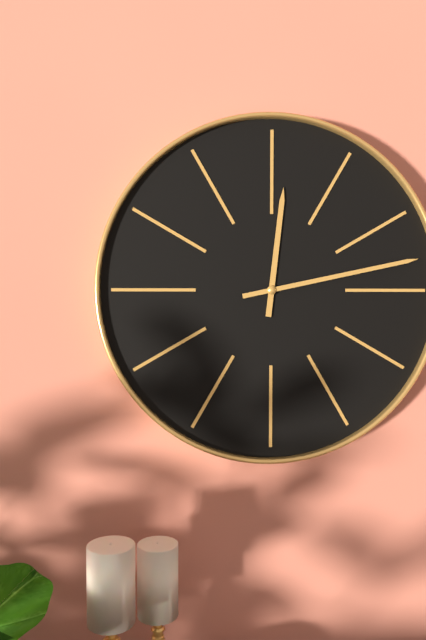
12:13
